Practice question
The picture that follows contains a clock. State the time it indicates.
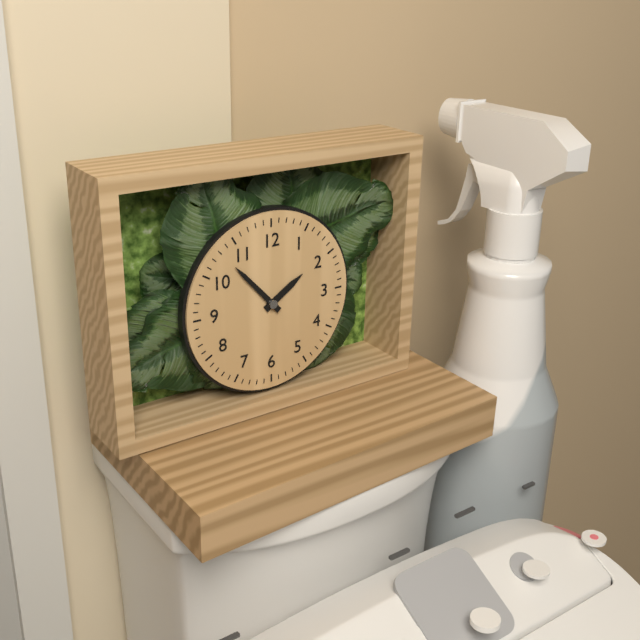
1:53
